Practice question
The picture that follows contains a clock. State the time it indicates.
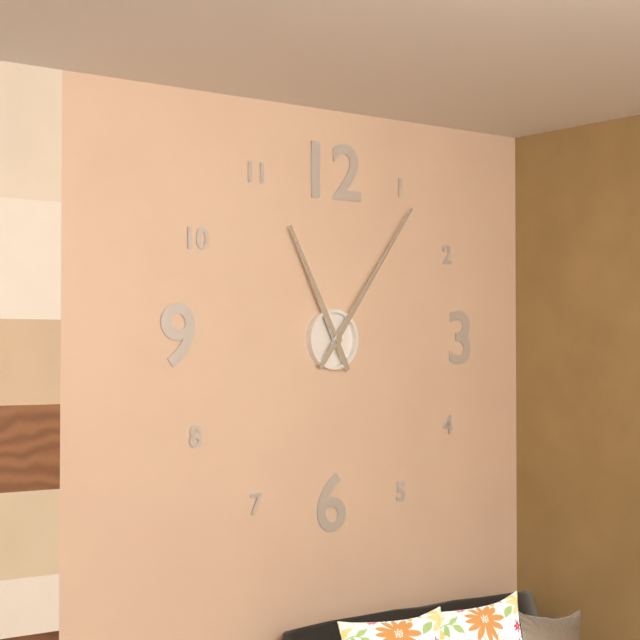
11:06
